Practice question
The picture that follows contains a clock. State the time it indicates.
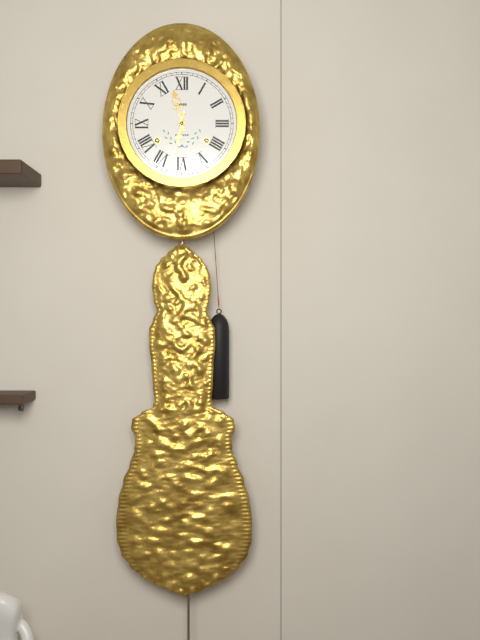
11:32
